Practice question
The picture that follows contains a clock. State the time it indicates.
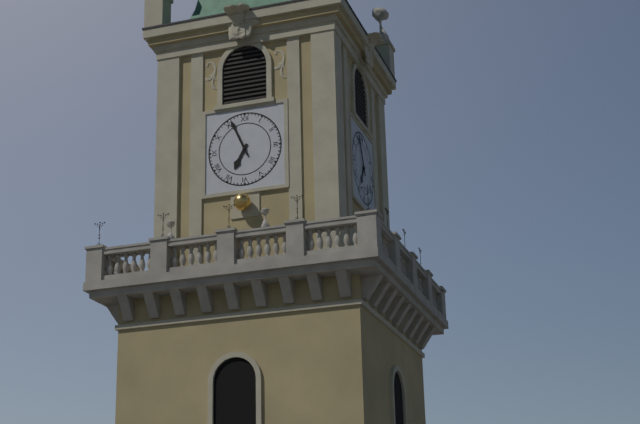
6:56
